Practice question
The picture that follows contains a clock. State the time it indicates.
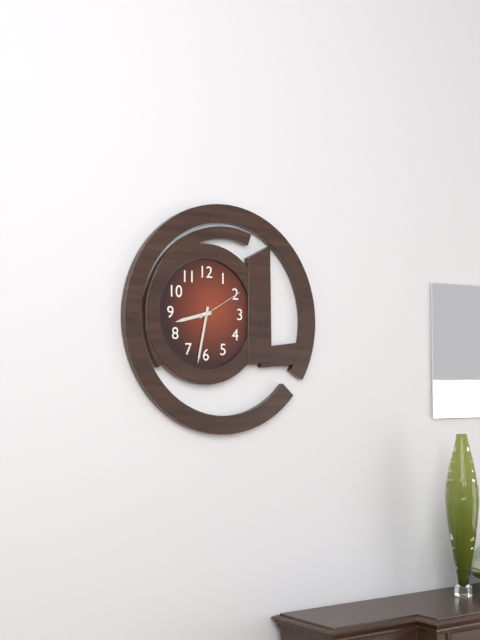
8:32:10
